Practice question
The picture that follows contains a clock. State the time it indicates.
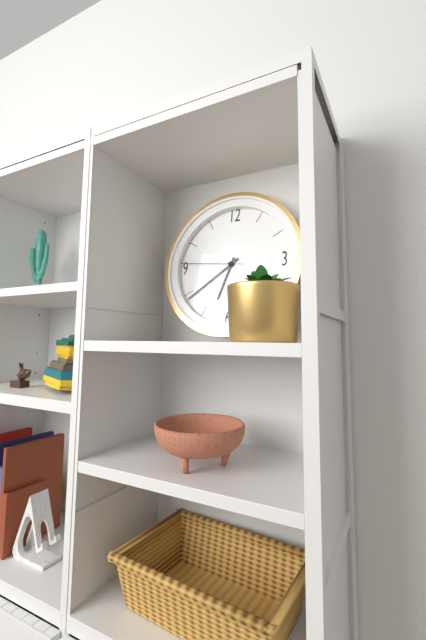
6:39:46
